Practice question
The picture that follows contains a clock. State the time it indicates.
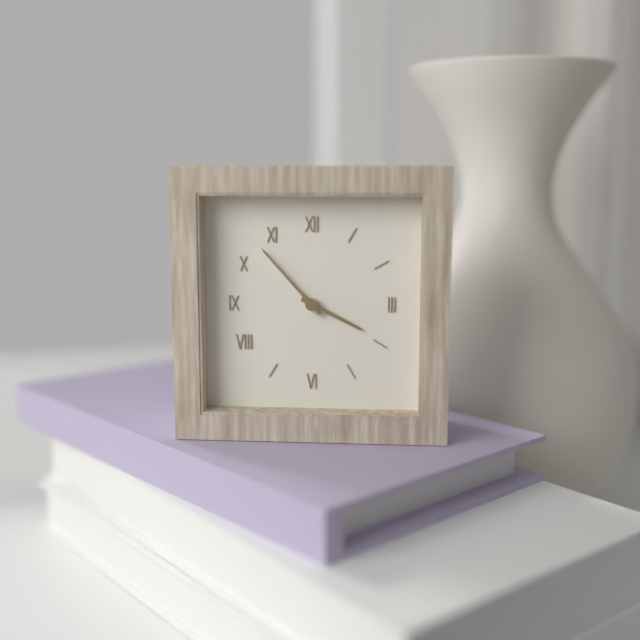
3:53
